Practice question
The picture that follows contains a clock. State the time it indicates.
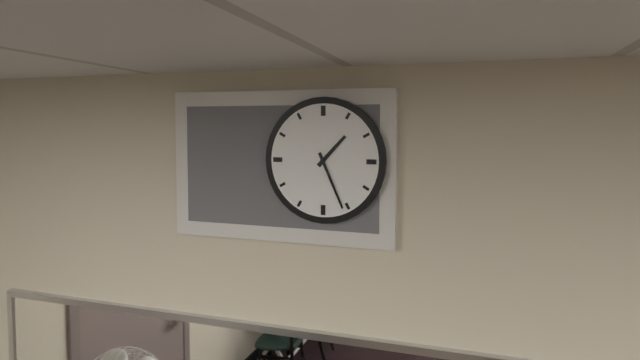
1:26
